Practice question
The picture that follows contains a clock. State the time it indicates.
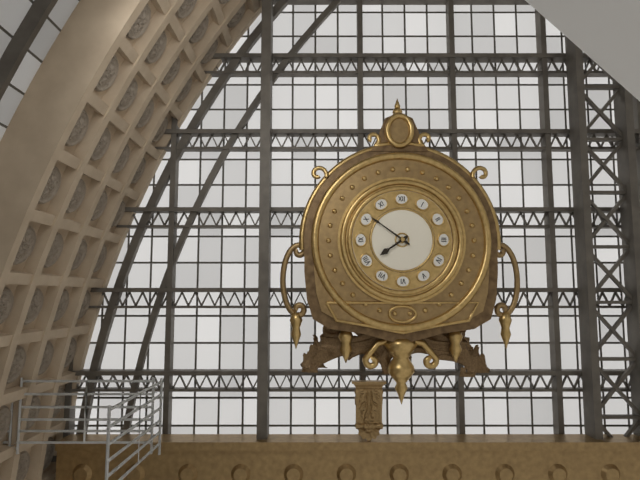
7:51
